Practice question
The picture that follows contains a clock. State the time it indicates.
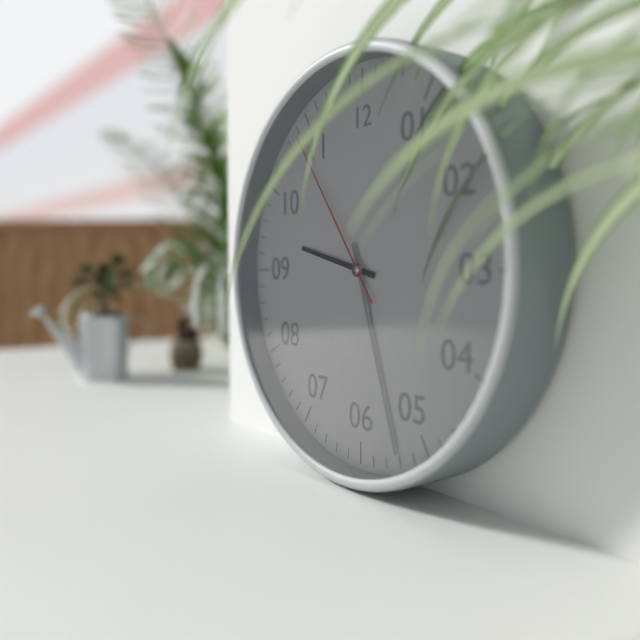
9:27:54
